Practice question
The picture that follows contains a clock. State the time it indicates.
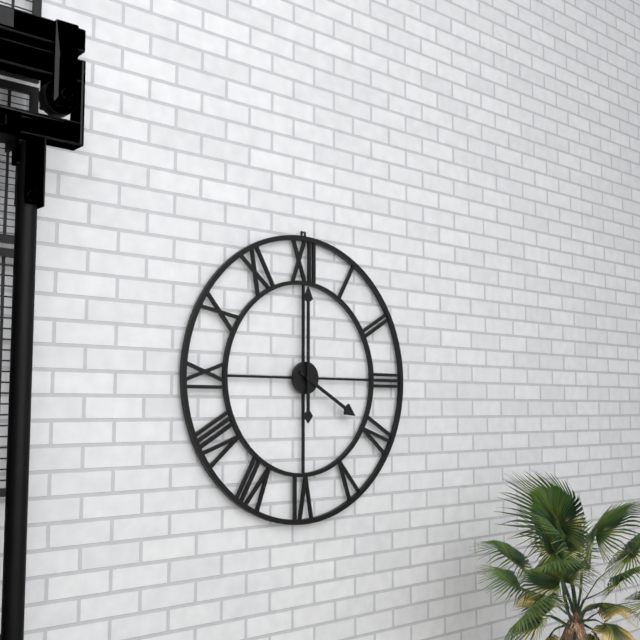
4:00
